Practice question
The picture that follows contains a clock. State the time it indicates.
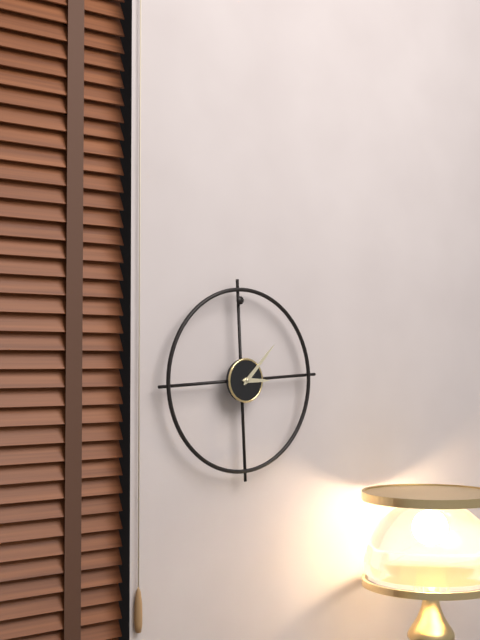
3:08
